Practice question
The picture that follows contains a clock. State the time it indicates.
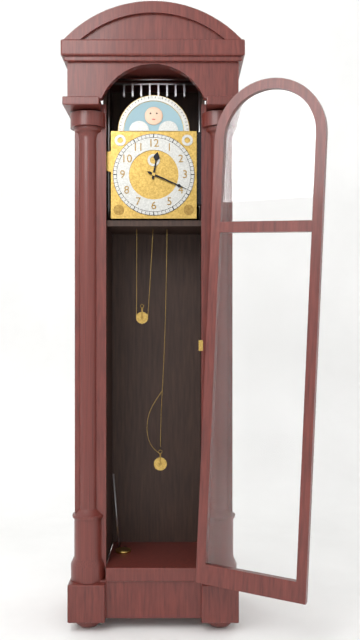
12:19
